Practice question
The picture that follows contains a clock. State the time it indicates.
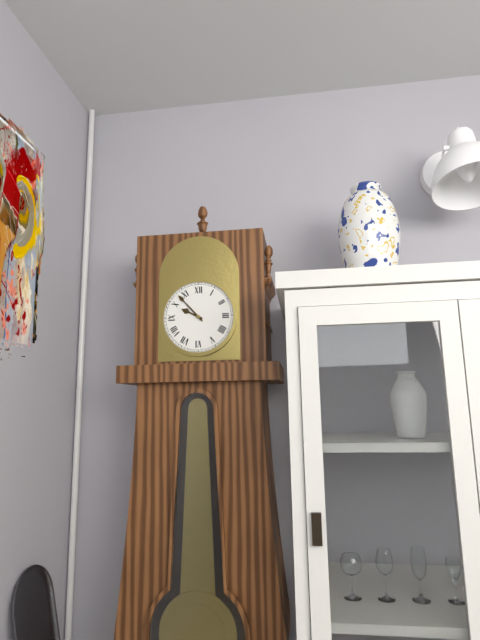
9:53
